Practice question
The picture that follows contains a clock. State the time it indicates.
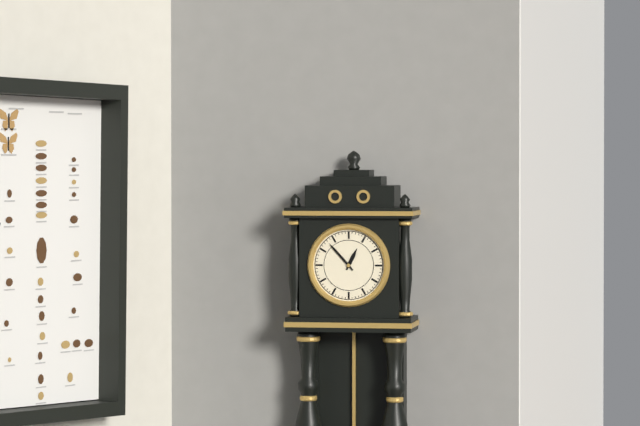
12:53
